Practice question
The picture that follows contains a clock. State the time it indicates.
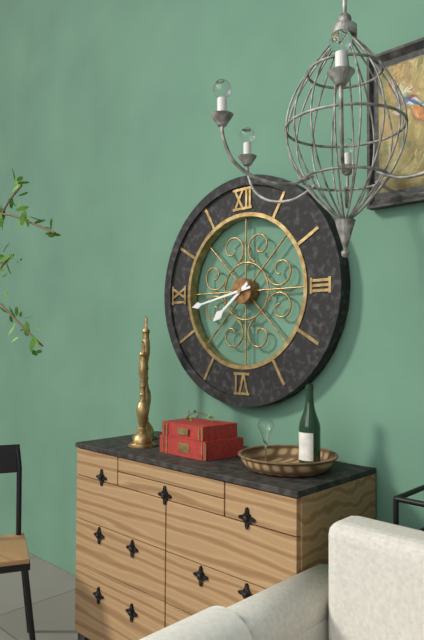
7:43
